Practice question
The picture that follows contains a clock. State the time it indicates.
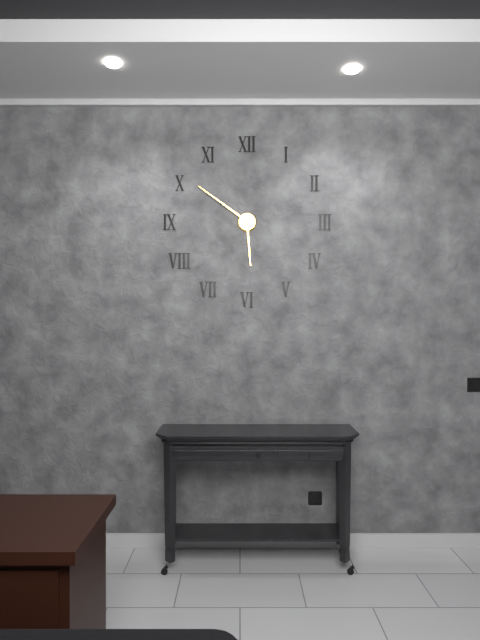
5:51
